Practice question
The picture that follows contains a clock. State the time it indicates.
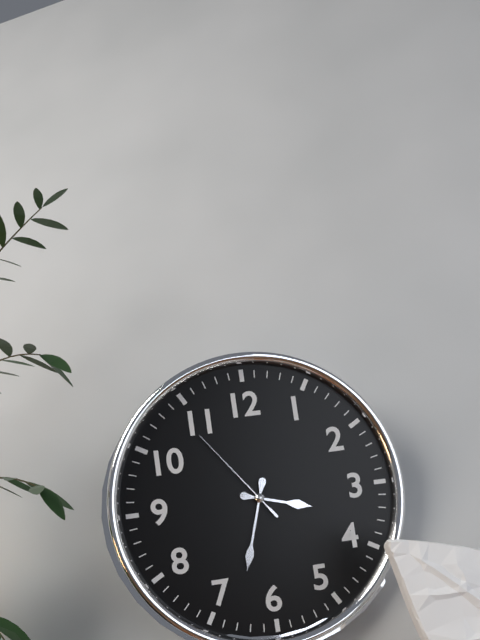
3:33:54
